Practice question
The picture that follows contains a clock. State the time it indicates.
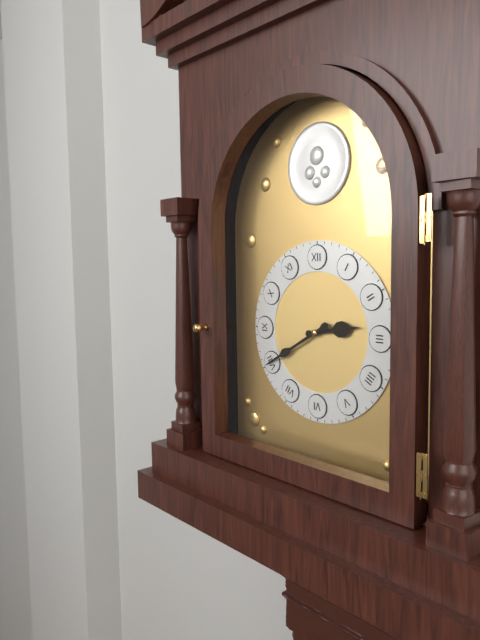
2:40
